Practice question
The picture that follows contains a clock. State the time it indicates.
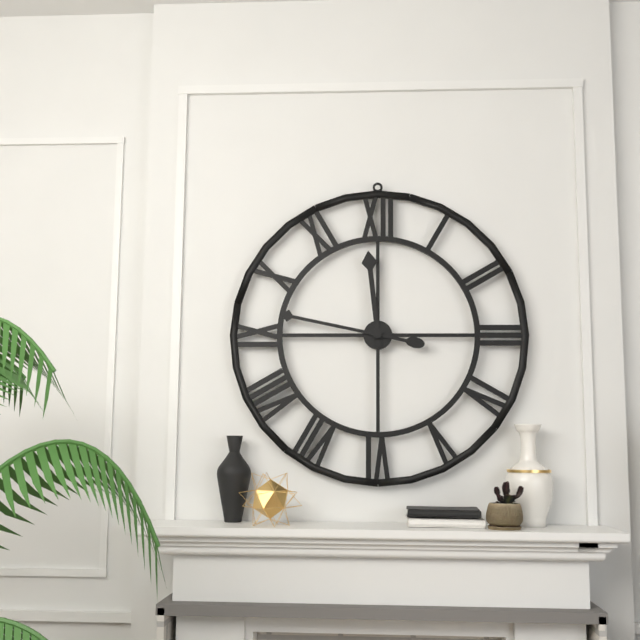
11:47
